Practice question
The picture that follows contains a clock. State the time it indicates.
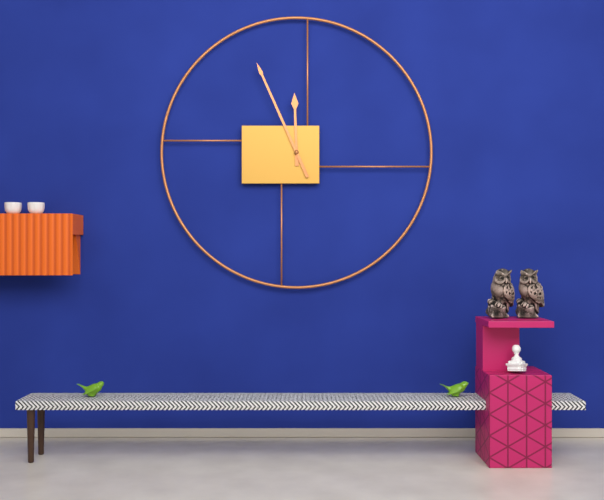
11:56
